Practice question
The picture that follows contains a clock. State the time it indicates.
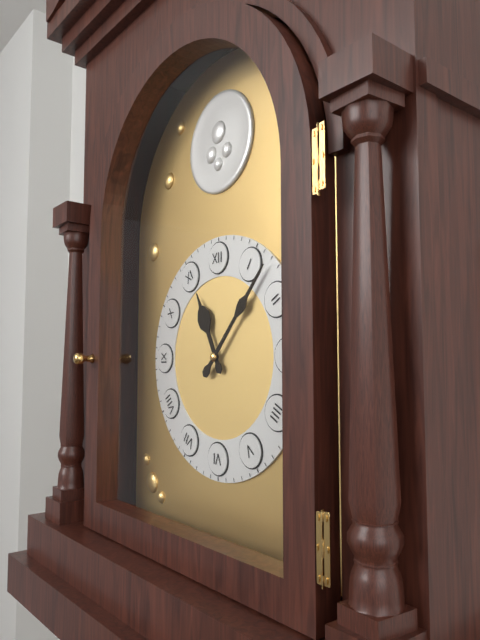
11:07
